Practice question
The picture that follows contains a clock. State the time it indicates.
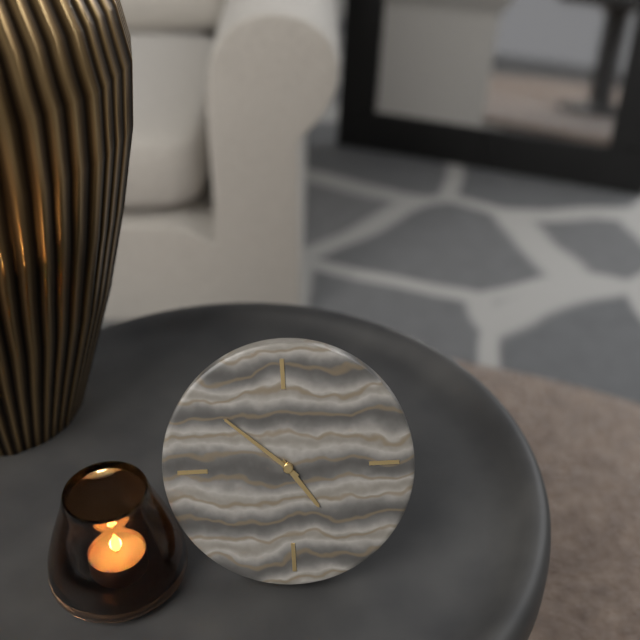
4:52
